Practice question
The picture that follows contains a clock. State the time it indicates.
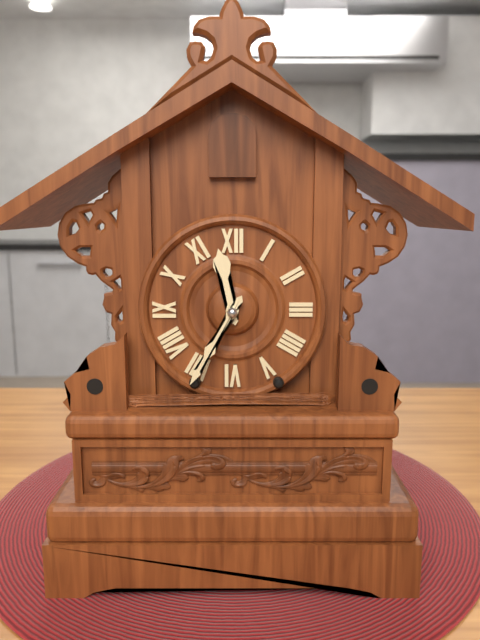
11:35
